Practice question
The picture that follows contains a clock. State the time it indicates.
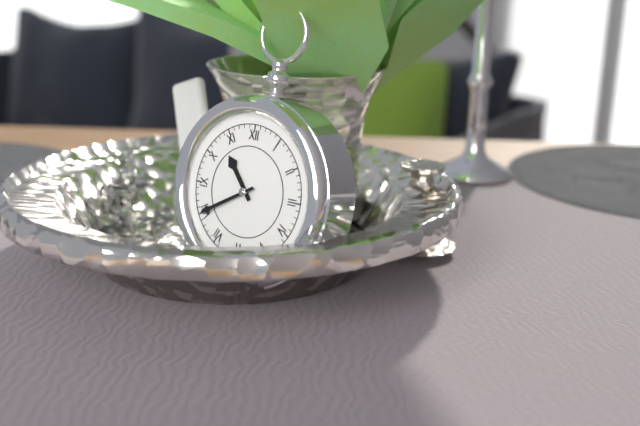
10:40
